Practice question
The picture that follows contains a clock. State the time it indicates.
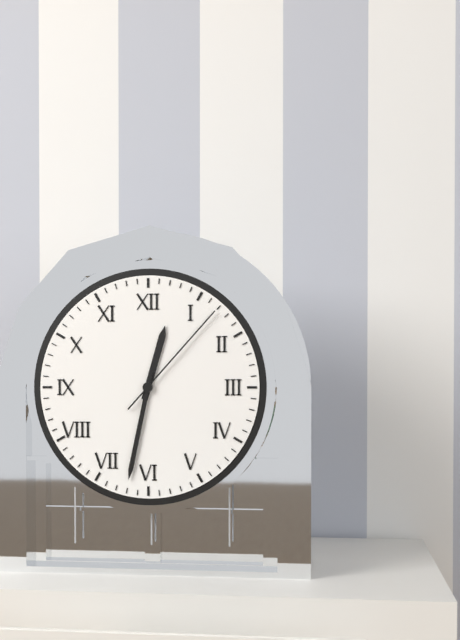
12:32:07
